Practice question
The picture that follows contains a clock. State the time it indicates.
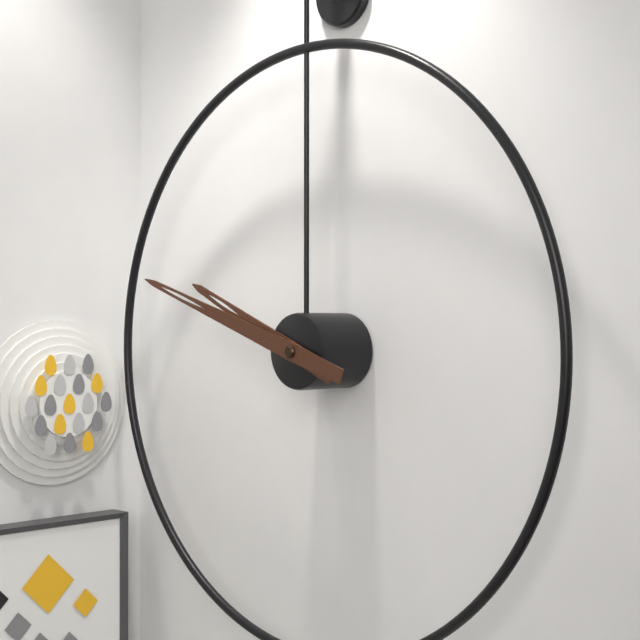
9:48
